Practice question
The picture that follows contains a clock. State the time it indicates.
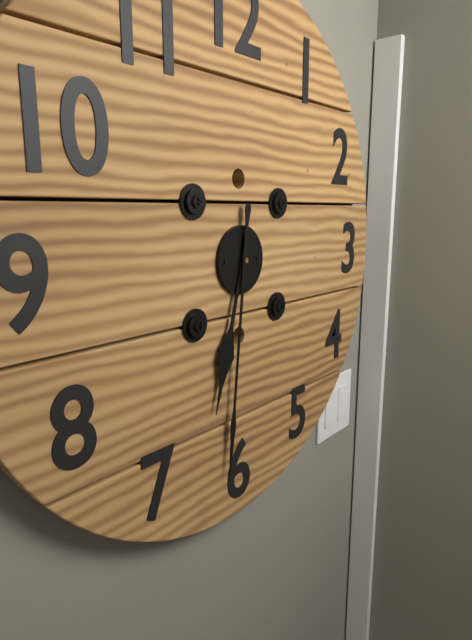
6:31
